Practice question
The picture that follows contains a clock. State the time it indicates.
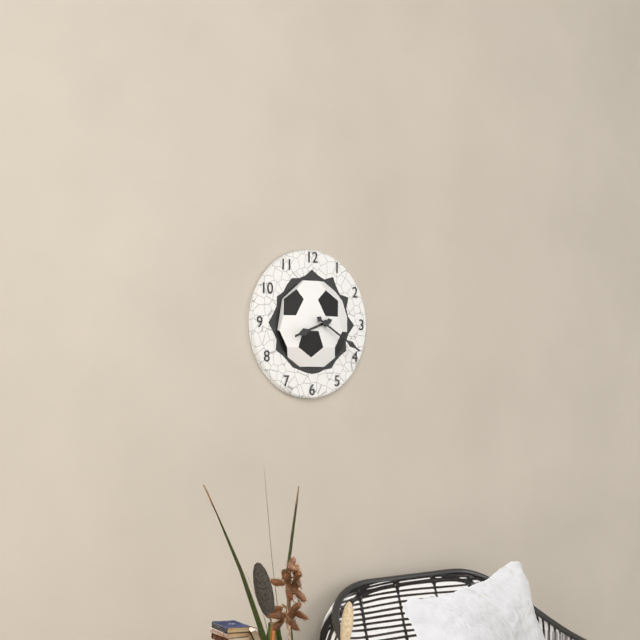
8:20
